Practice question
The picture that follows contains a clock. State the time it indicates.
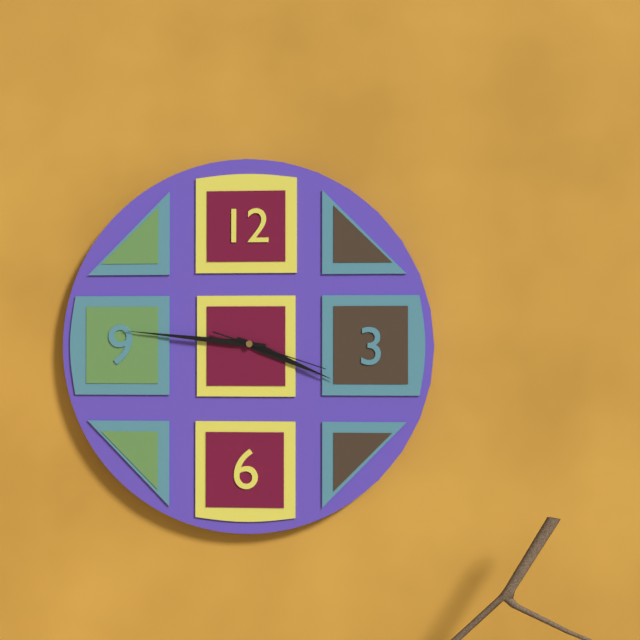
3:46:18
